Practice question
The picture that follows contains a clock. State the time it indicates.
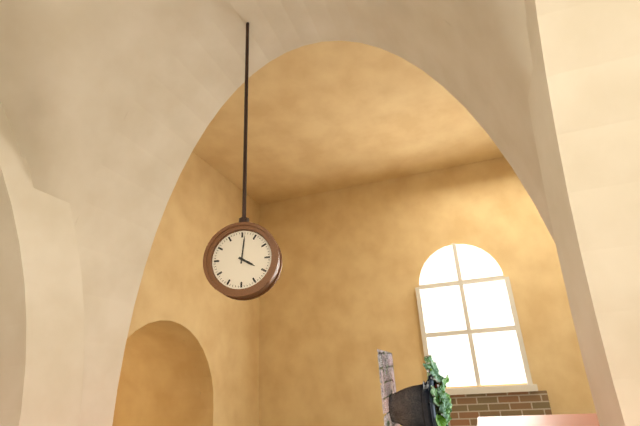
4:01
